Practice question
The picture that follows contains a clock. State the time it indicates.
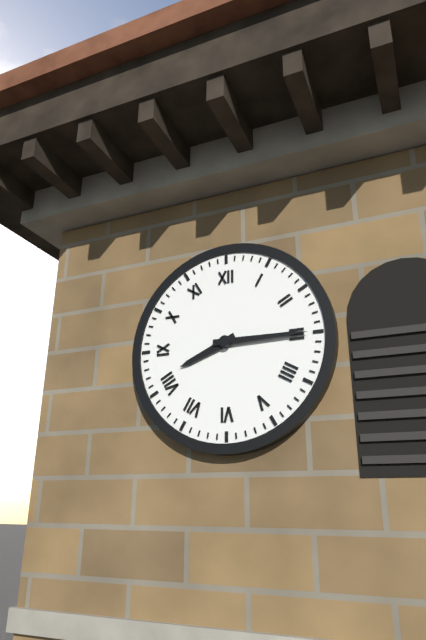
8:15
